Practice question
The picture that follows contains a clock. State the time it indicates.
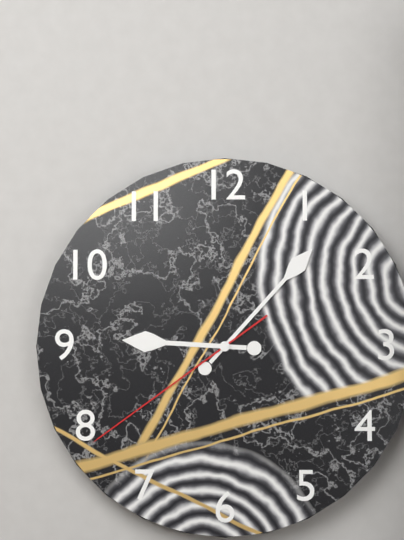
9:07:39
